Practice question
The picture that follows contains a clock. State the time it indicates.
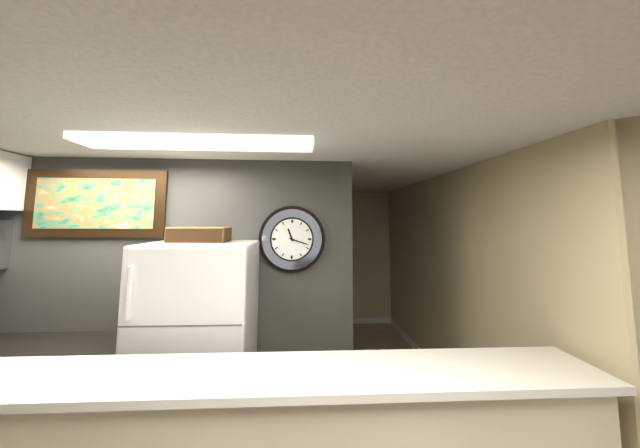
11:18
